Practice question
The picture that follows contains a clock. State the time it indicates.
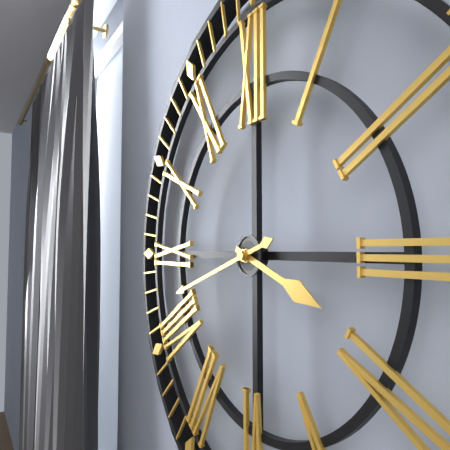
3:42
